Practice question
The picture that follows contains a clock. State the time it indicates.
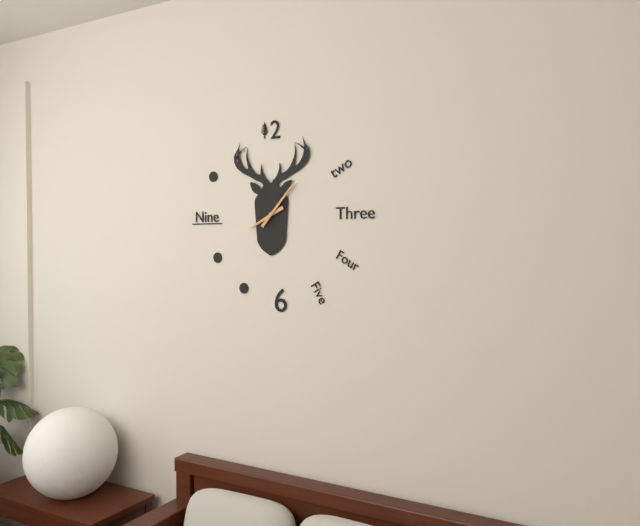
8:07
